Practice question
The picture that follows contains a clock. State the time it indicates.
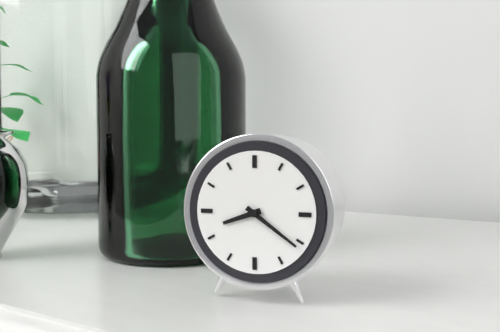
8:21
